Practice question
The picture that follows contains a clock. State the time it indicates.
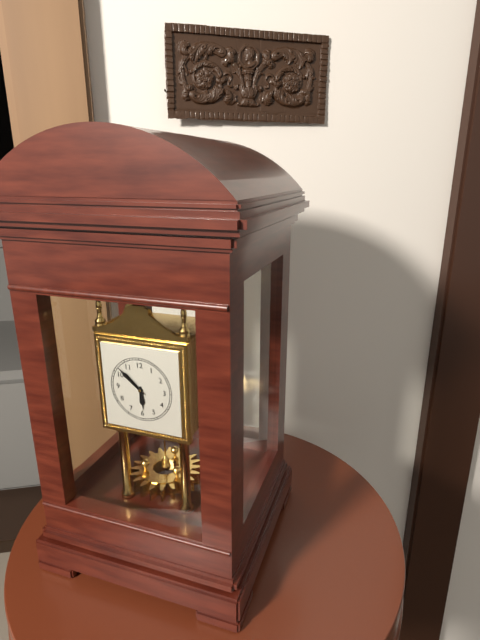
5:52
